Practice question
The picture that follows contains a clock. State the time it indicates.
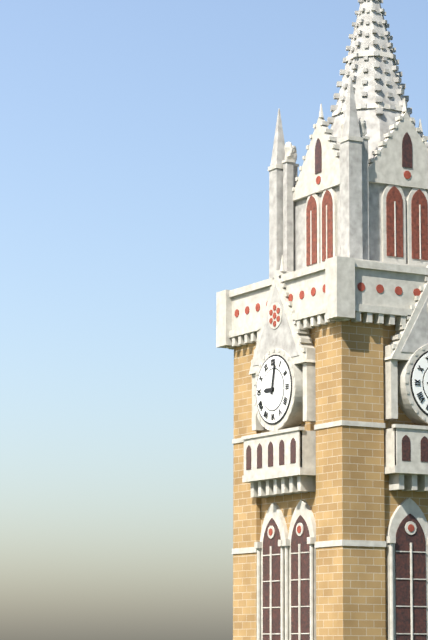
9:02
